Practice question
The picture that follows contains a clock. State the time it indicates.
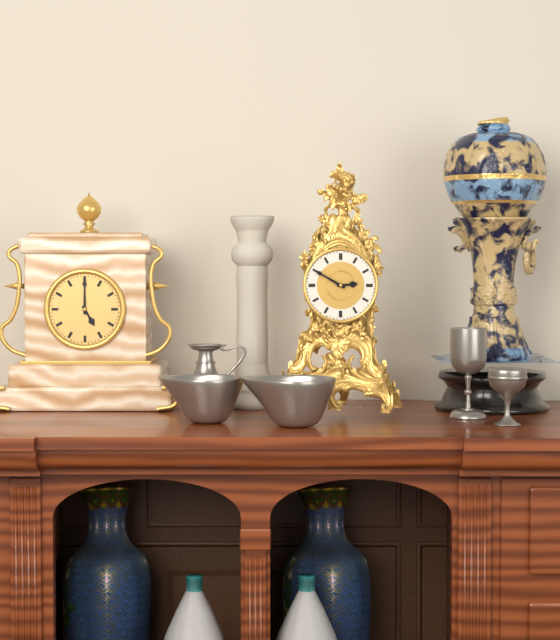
2:50
